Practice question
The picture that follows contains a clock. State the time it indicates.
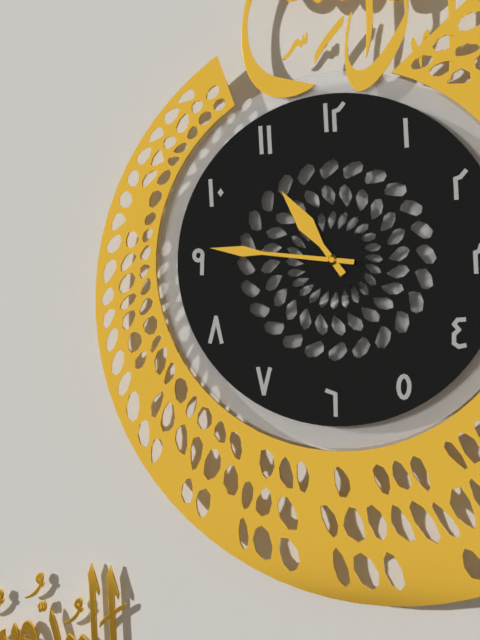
10:46
